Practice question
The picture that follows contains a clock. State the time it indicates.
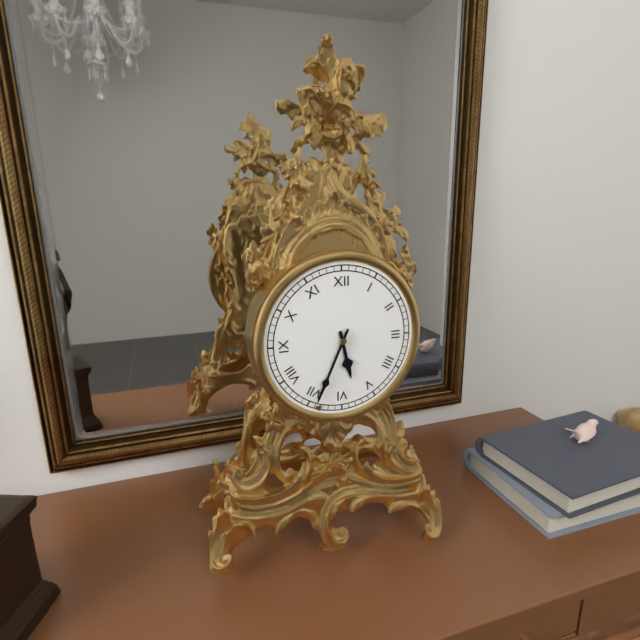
5:34
